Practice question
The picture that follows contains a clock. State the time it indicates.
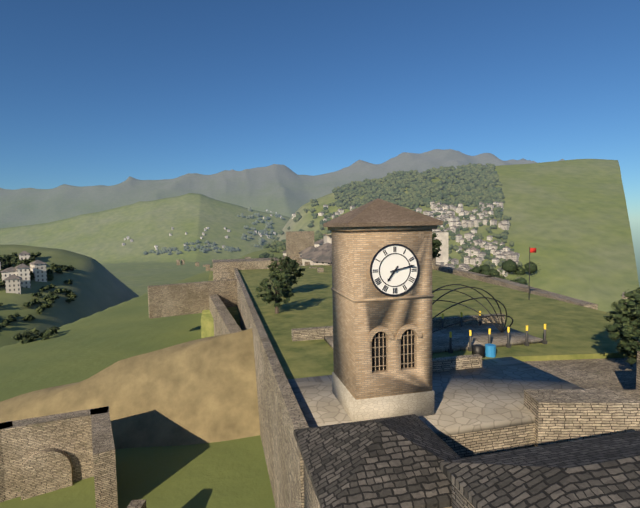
7:13
